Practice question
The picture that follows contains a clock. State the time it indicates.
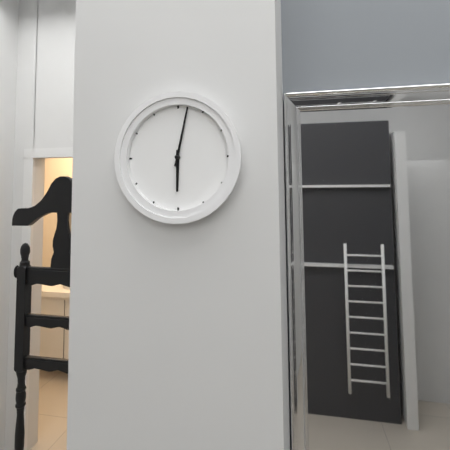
6:02
